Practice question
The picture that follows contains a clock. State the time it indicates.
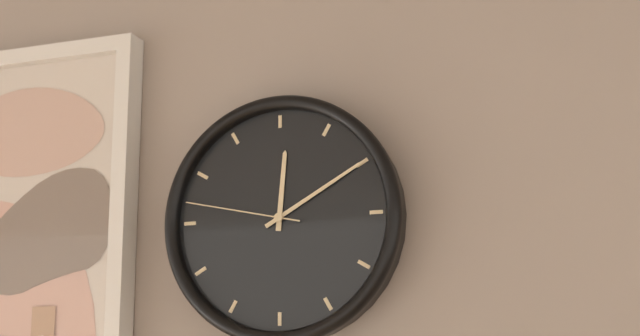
12:10:47
